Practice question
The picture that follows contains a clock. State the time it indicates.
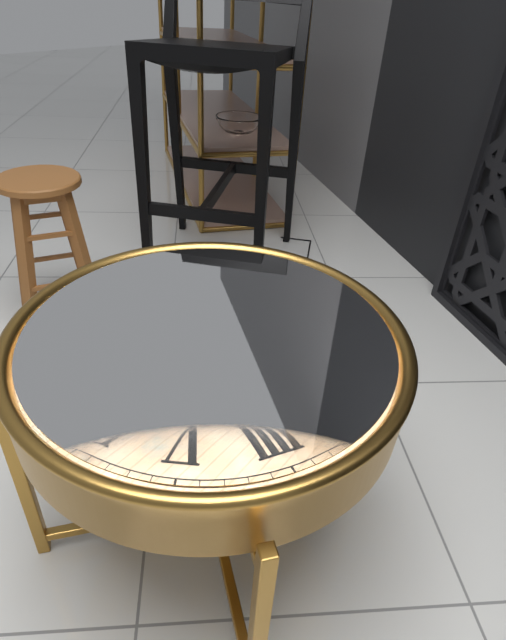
3:56
